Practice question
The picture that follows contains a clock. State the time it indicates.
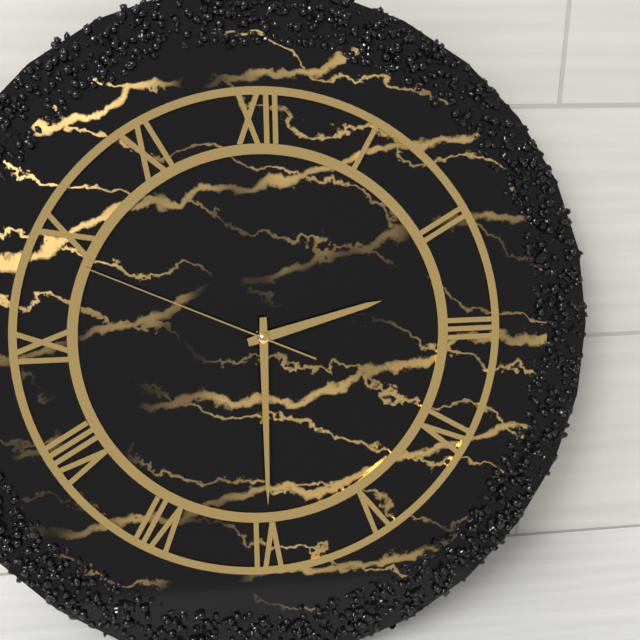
2:30:49
